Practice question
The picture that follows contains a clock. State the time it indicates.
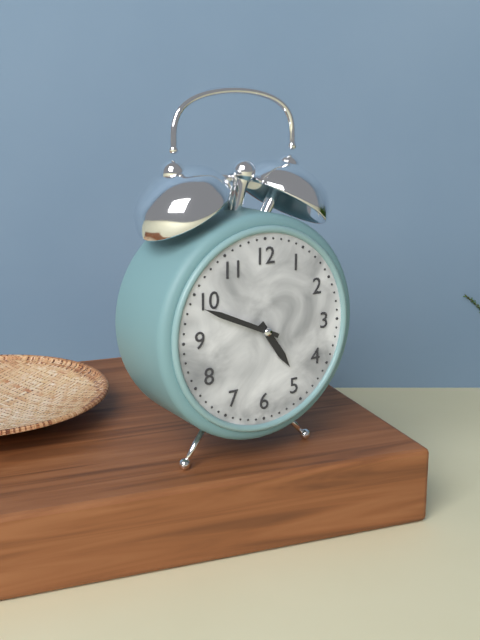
4:49
